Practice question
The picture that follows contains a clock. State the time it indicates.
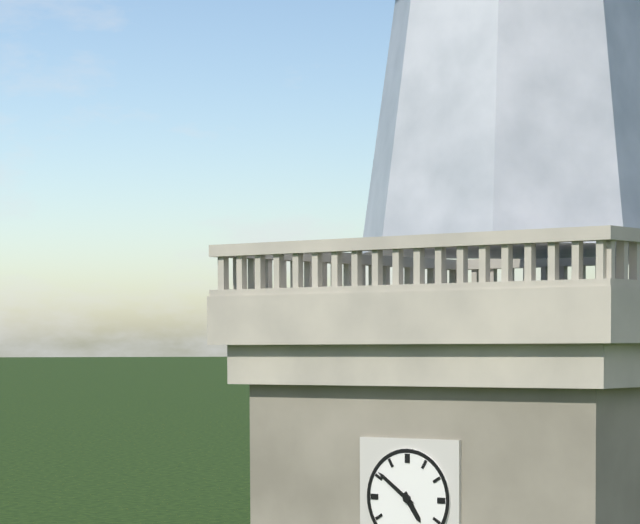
4:51
